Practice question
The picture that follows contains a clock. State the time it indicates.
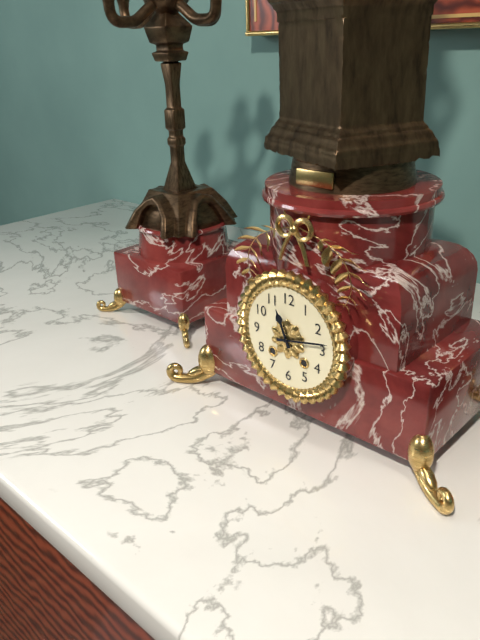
11:13
